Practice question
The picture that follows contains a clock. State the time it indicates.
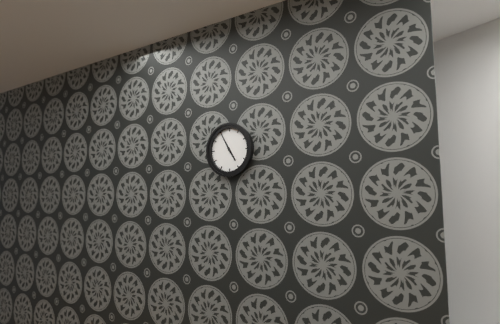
4:55
